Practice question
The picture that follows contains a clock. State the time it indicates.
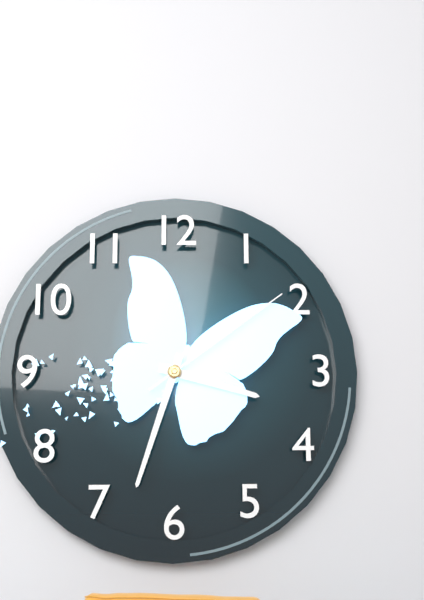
3:33:09
